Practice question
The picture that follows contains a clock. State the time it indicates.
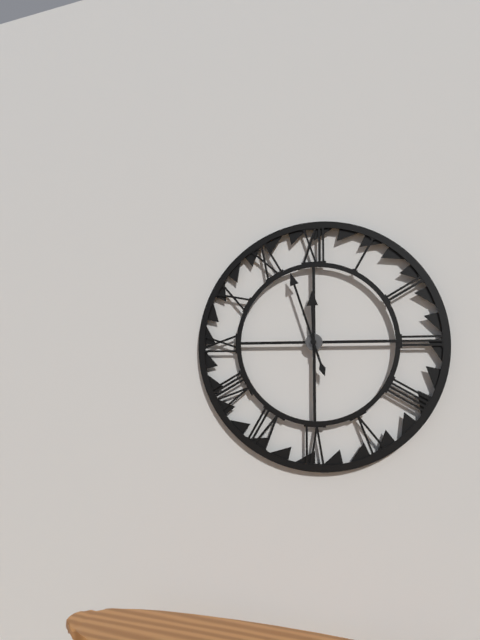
11:57
